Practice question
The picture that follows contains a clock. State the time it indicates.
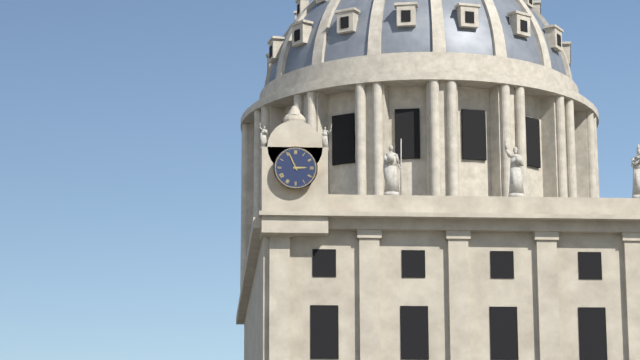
2:56
